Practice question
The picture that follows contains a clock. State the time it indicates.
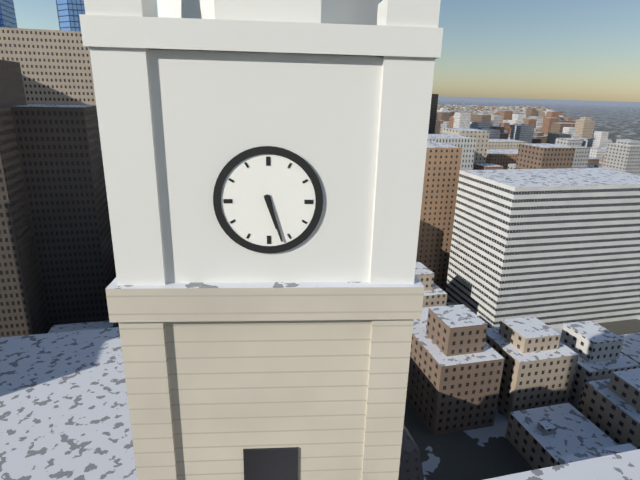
5:27
